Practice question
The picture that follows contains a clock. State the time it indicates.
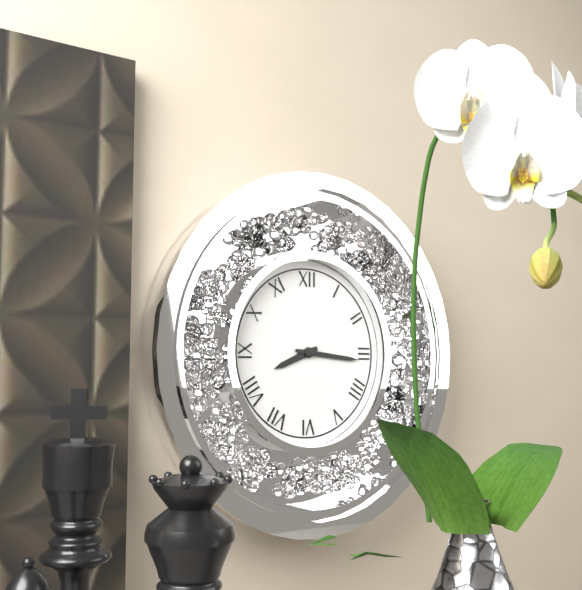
8:16
